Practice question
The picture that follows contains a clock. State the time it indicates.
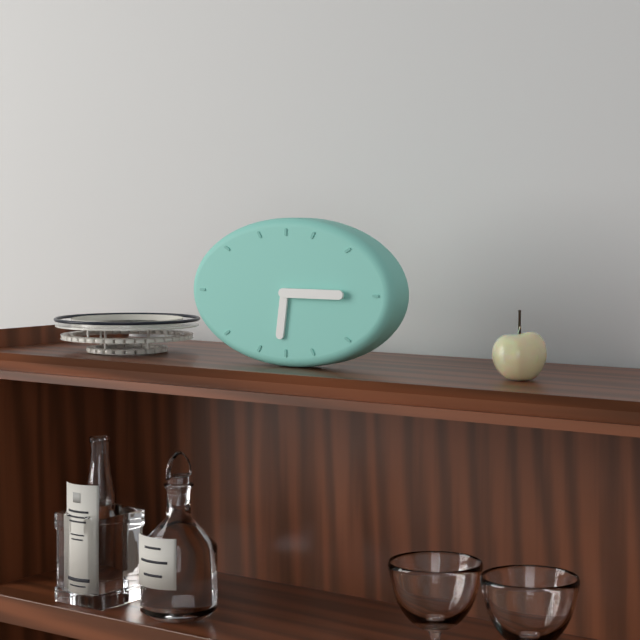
6:15
